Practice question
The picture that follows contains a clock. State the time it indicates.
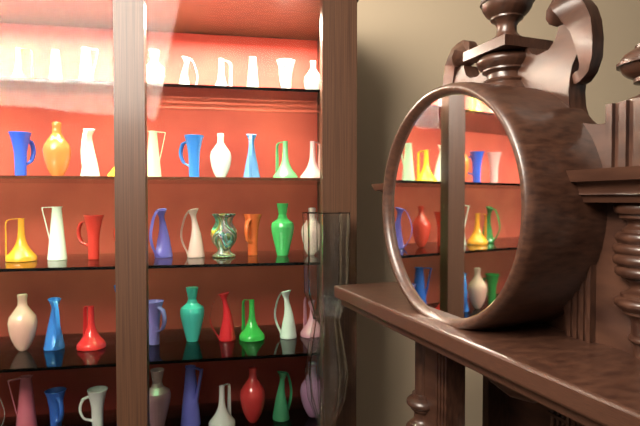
5:22
